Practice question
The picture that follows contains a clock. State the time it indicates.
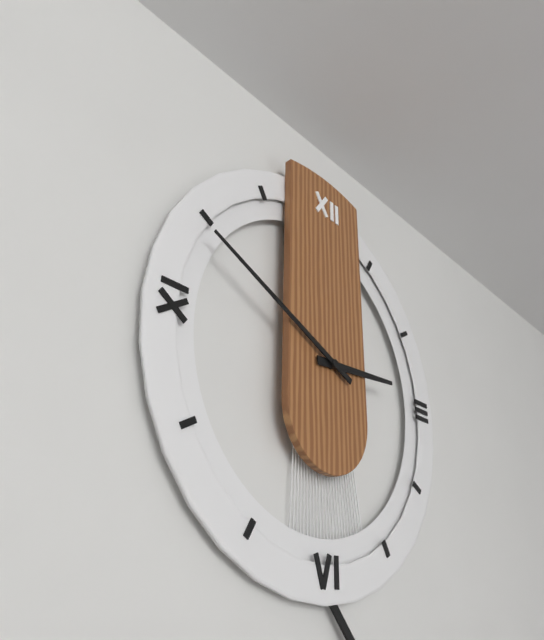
2:49
